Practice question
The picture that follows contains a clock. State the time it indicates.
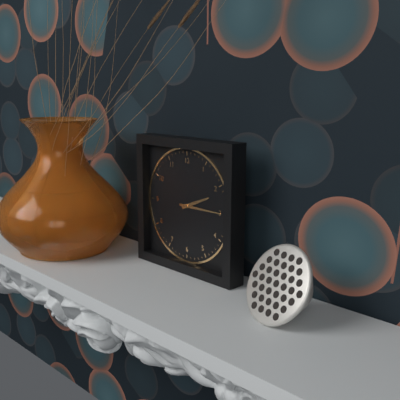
2:15
